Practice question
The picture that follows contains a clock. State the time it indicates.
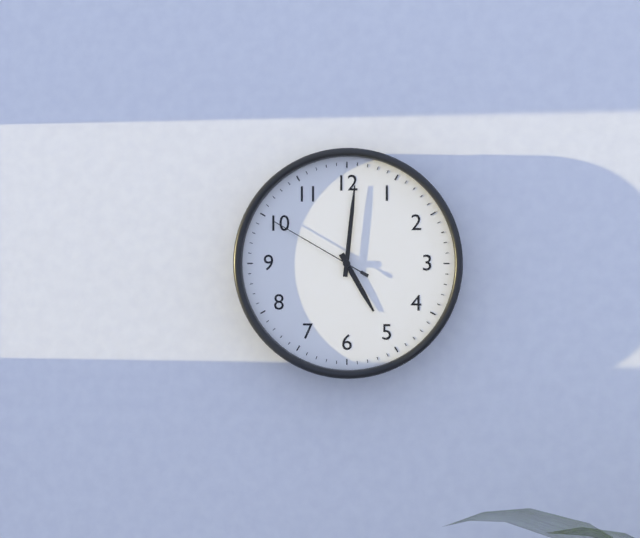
5:01:50
